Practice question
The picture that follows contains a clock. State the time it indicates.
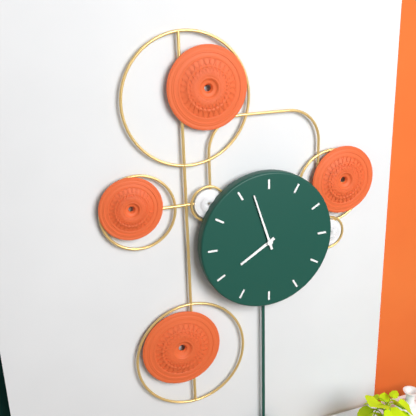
7:57
